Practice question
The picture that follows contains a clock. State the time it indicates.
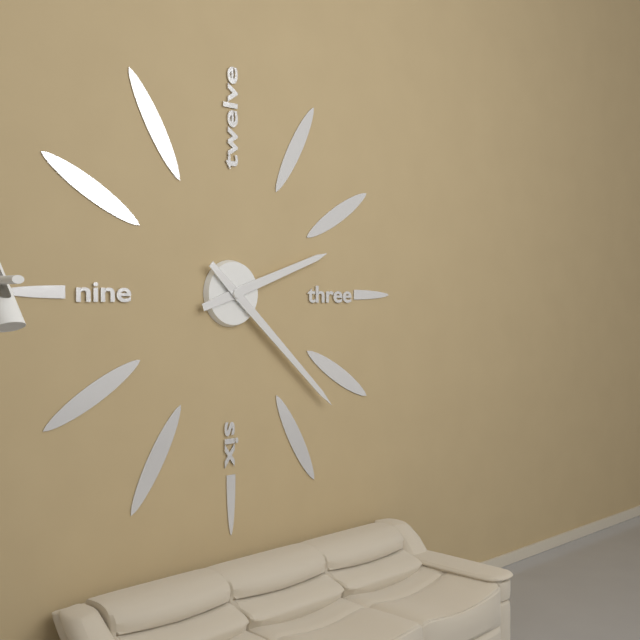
2:22
